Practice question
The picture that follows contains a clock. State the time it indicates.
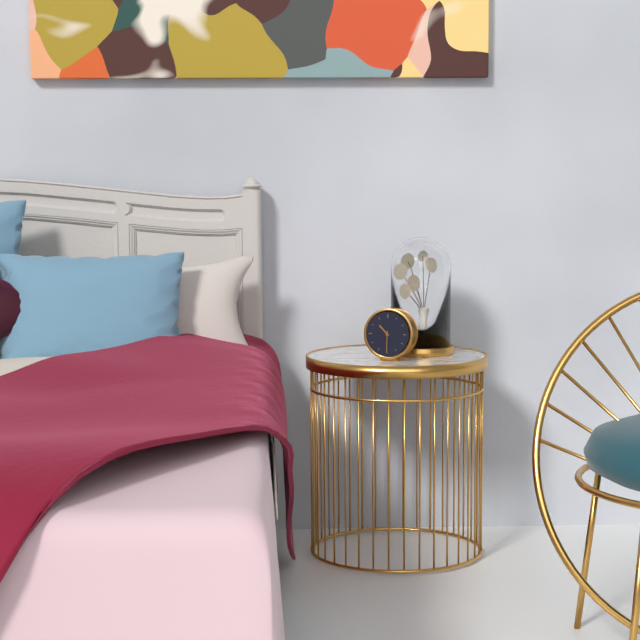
10:30
